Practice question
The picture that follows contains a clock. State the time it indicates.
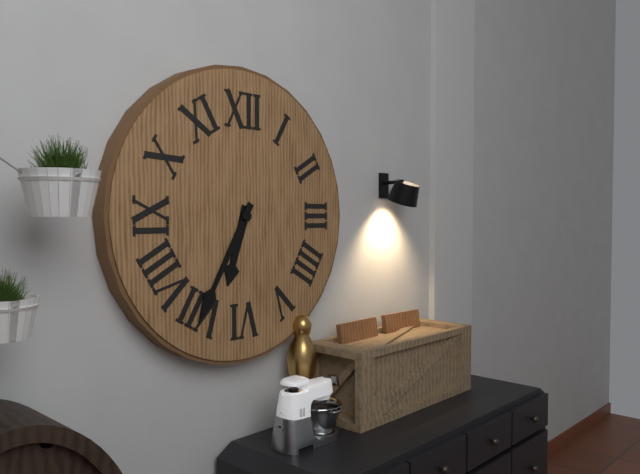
6:35
